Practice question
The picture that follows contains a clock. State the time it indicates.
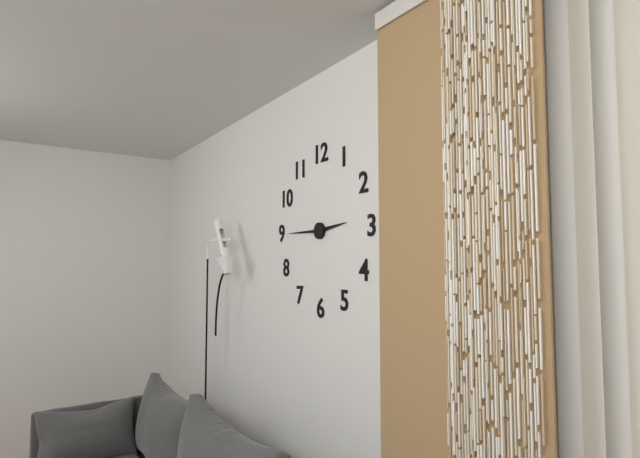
2:45
